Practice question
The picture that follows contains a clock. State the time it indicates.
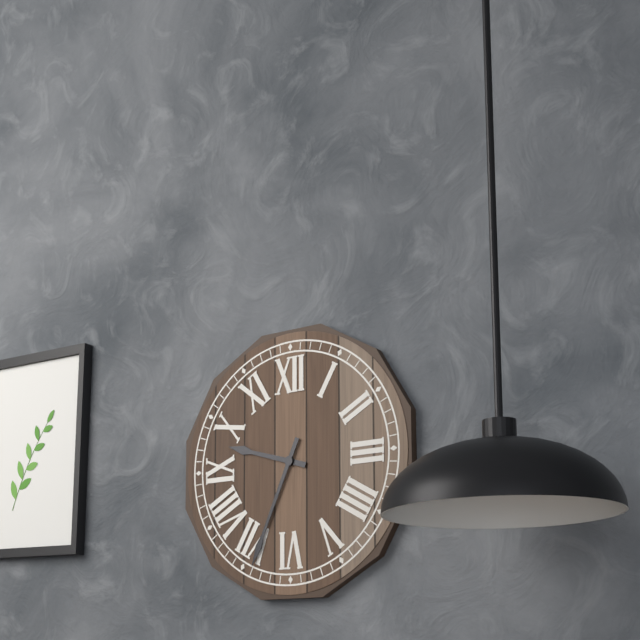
9:34
